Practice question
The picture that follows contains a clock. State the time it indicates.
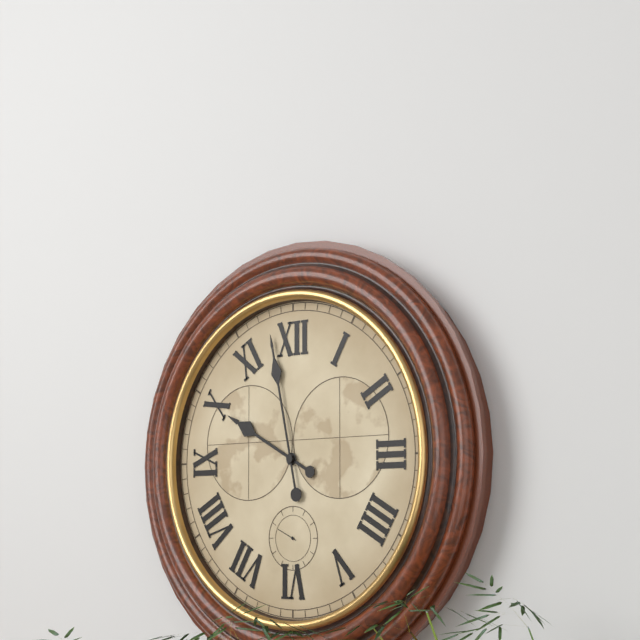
9:58
